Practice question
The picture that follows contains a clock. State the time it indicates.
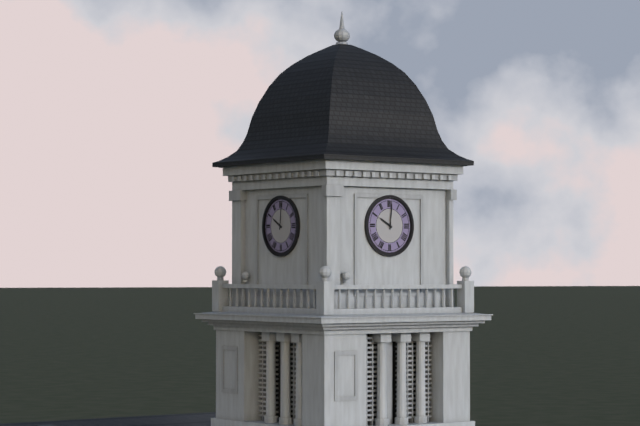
10:01
